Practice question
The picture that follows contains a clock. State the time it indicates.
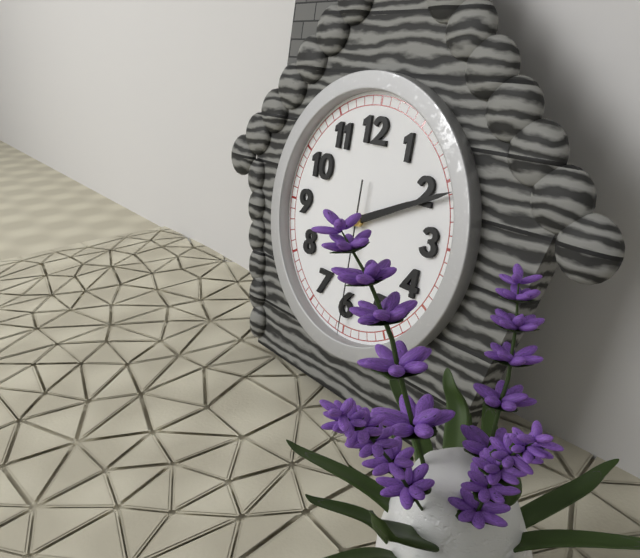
2:11:30
